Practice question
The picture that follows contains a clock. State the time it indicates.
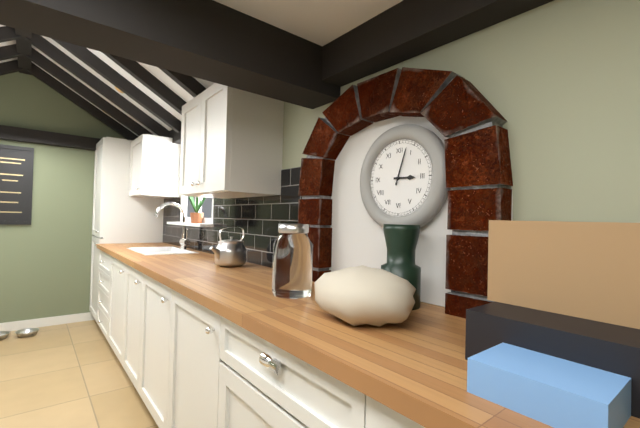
3:03
